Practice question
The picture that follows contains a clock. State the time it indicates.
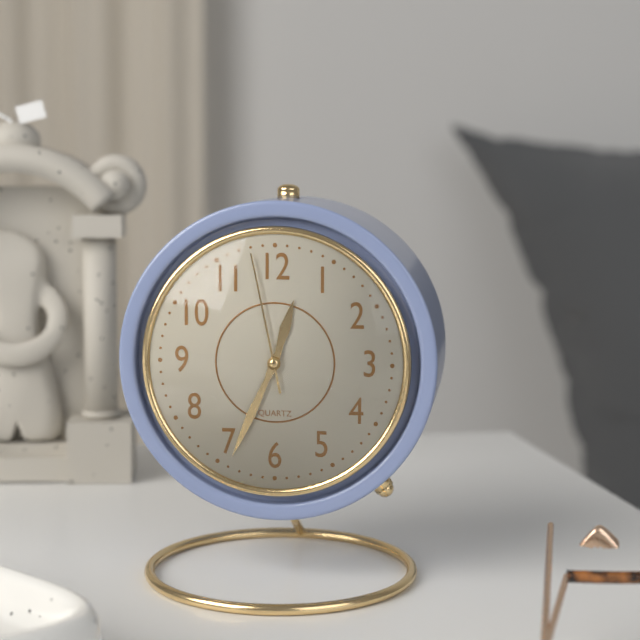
12:34:58
